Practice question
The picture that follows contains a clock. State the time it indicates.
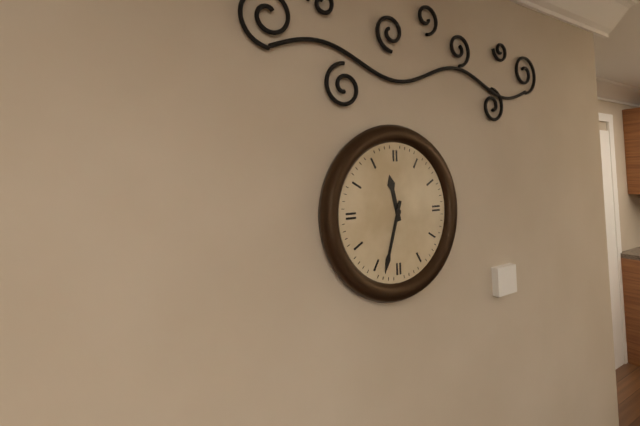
11:33
